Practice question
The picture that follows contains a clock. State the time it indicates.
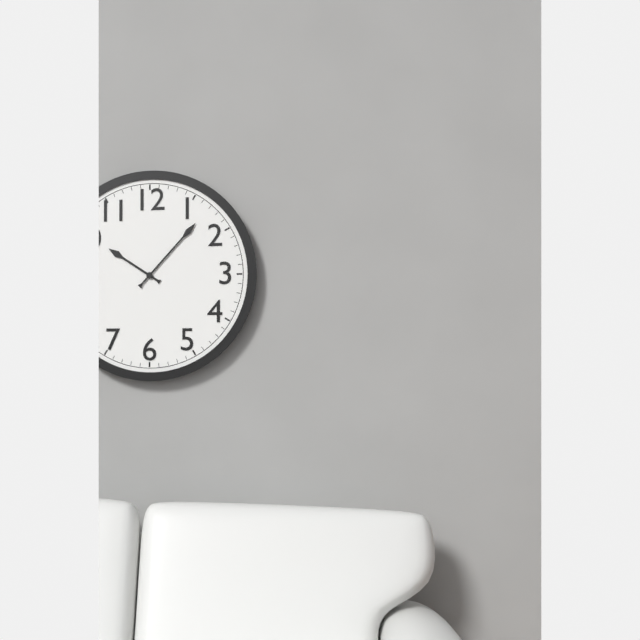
10:07
